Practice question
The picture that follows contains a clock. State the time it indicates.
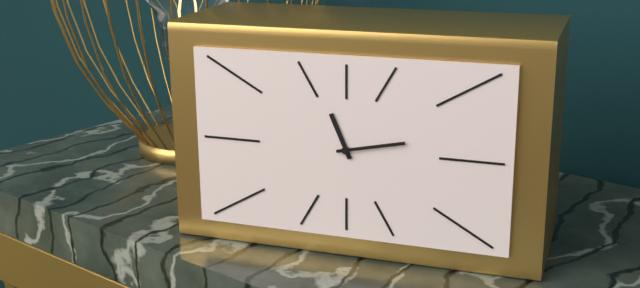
11:13
